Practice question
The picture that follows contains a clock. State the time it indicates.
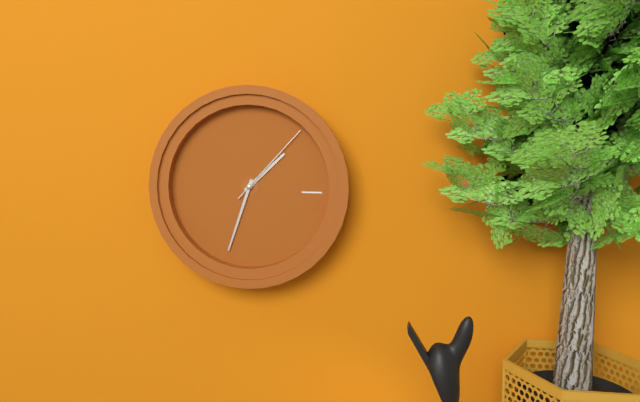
1:33:07
